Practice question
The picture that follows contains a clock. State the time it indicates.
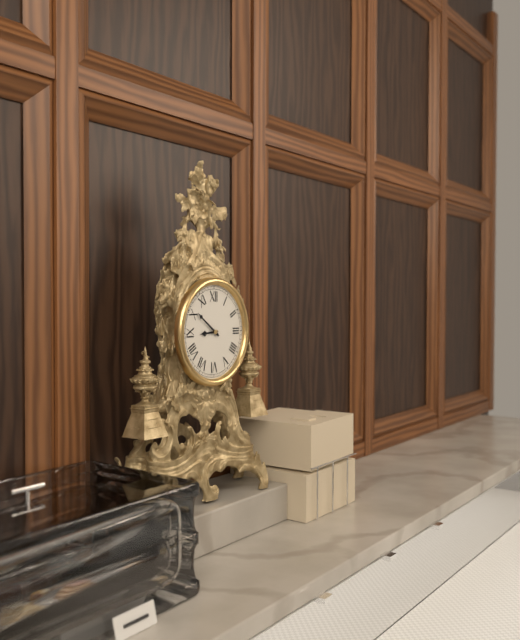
8:51
